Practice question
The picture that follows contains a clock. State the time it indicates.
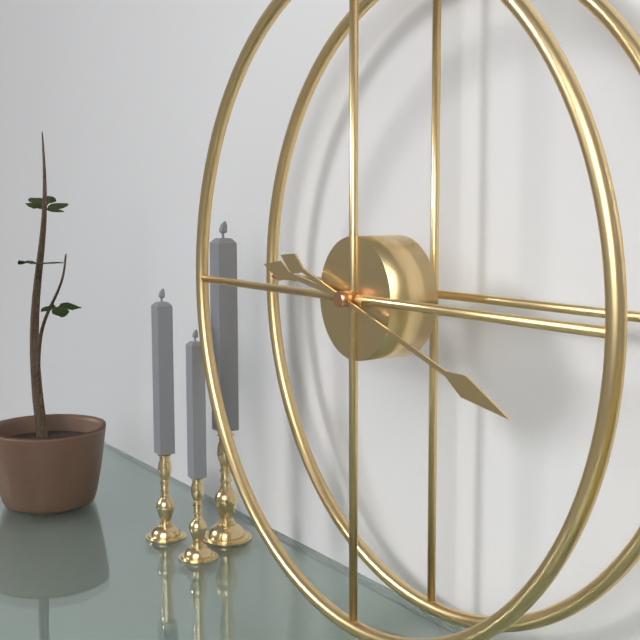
9:18
